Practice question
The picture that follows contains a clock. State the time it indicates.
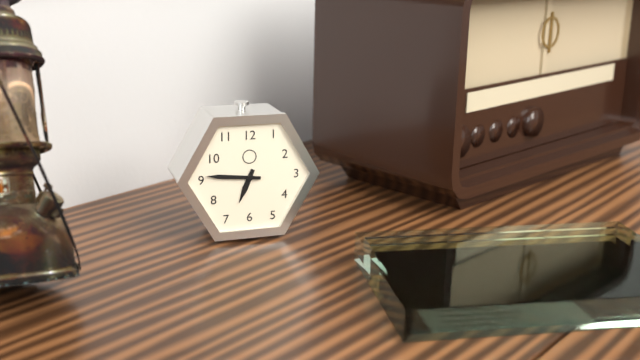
6:46
